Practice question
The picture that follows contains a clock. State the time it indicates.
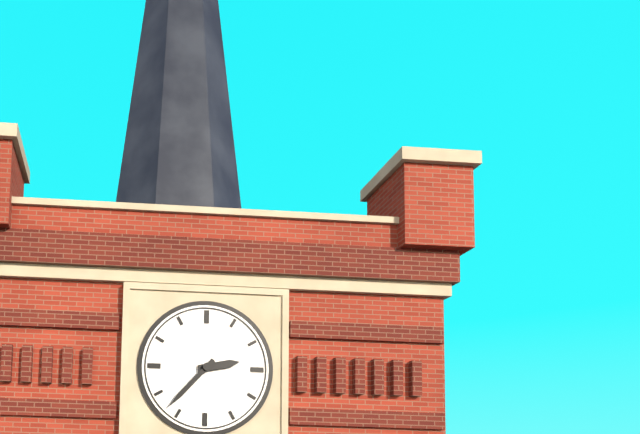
2:37
